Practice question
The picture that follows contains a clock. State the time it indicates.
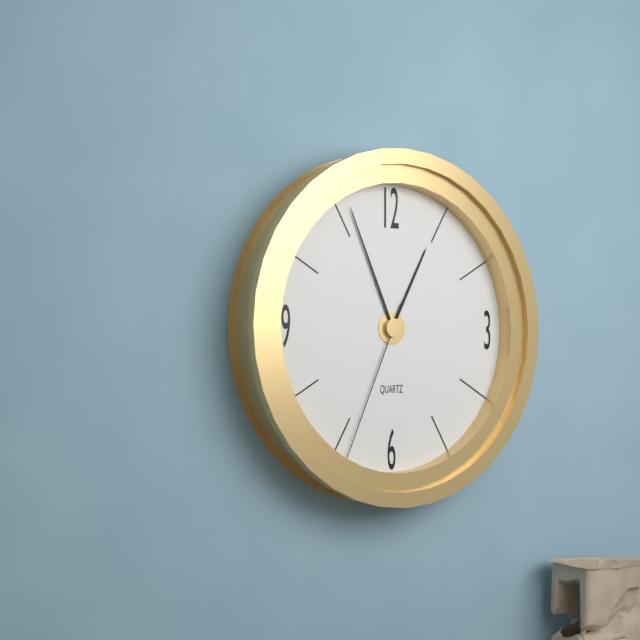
12:56:34
